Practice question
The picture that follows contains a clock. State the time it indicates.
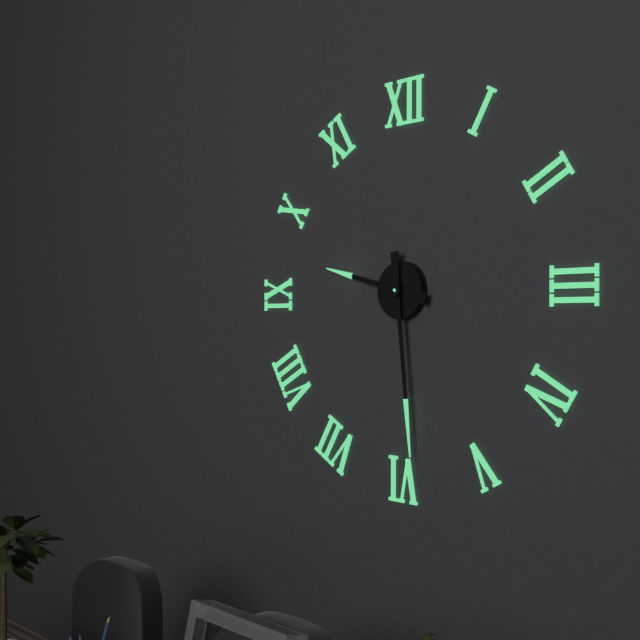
9:29
